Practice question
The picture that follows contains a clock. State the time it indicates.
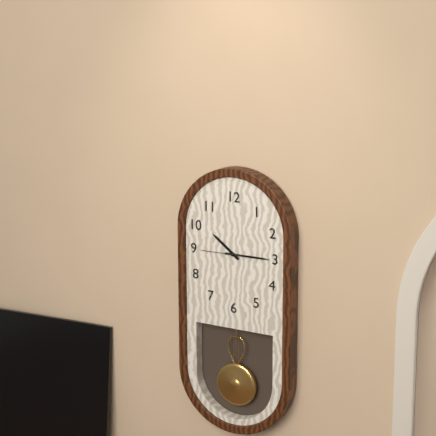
10:15
